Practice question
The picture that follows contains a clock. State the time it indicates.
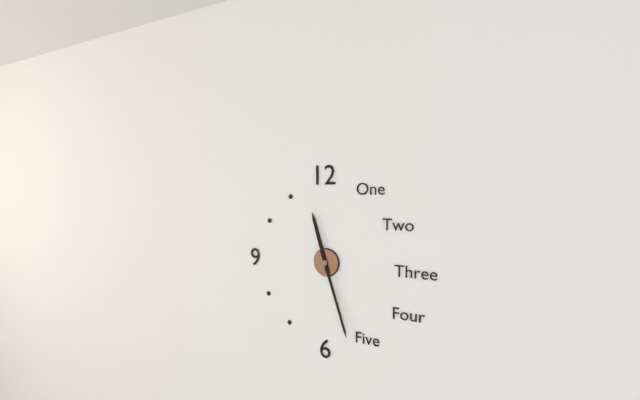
11:27
